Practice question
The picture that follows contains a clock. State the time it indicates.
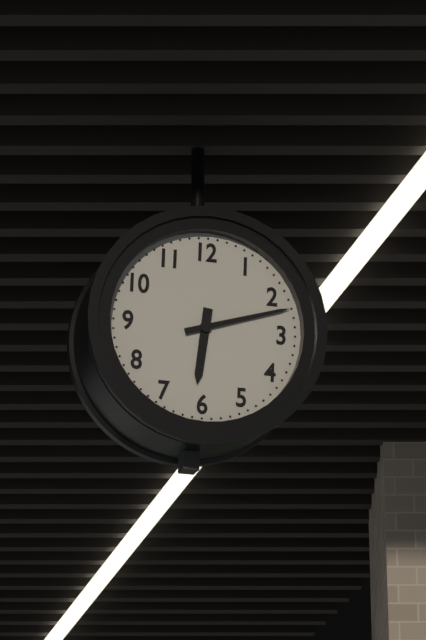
6:12
